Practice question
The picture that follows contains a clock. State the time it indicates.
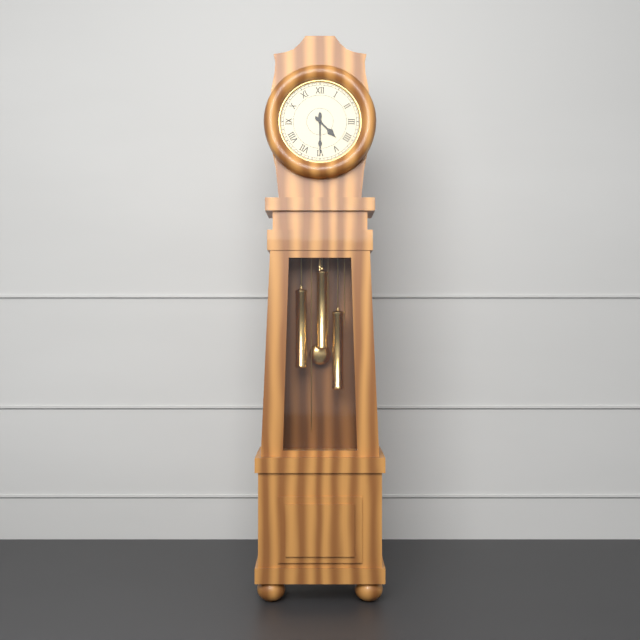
4:30
